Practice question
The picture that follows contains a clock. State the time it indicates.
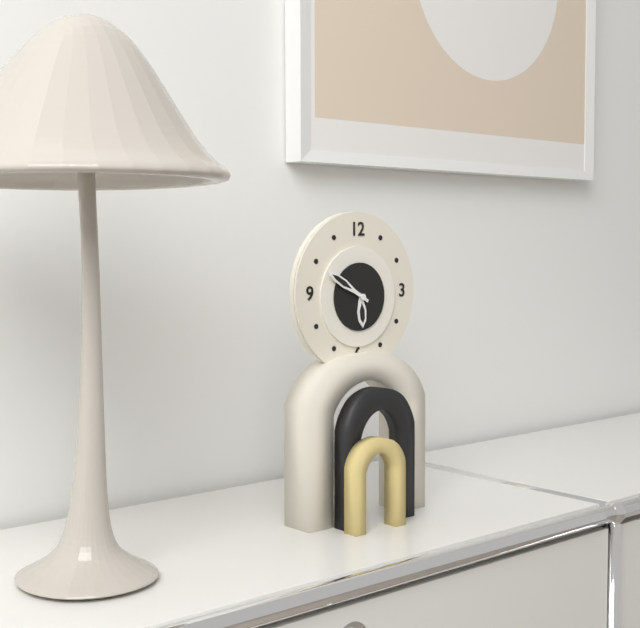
5:50
